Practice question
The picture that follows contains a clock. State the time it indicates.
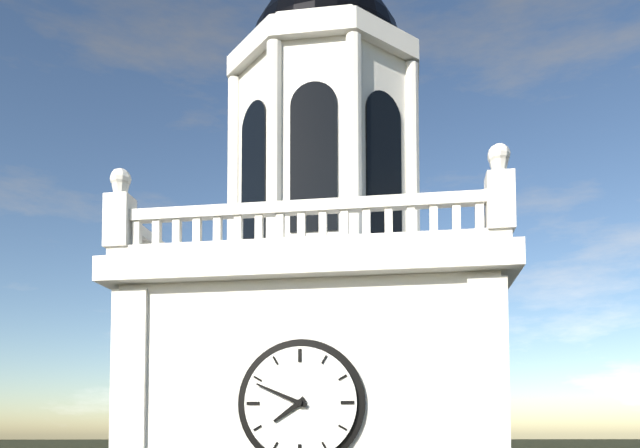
7:49
